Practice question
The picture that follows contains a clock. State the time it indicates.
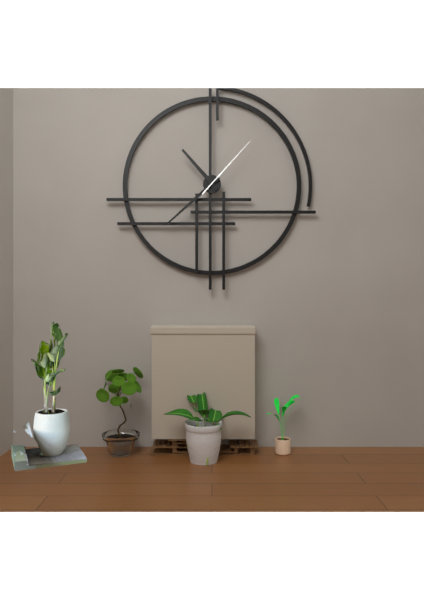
10:38:07
